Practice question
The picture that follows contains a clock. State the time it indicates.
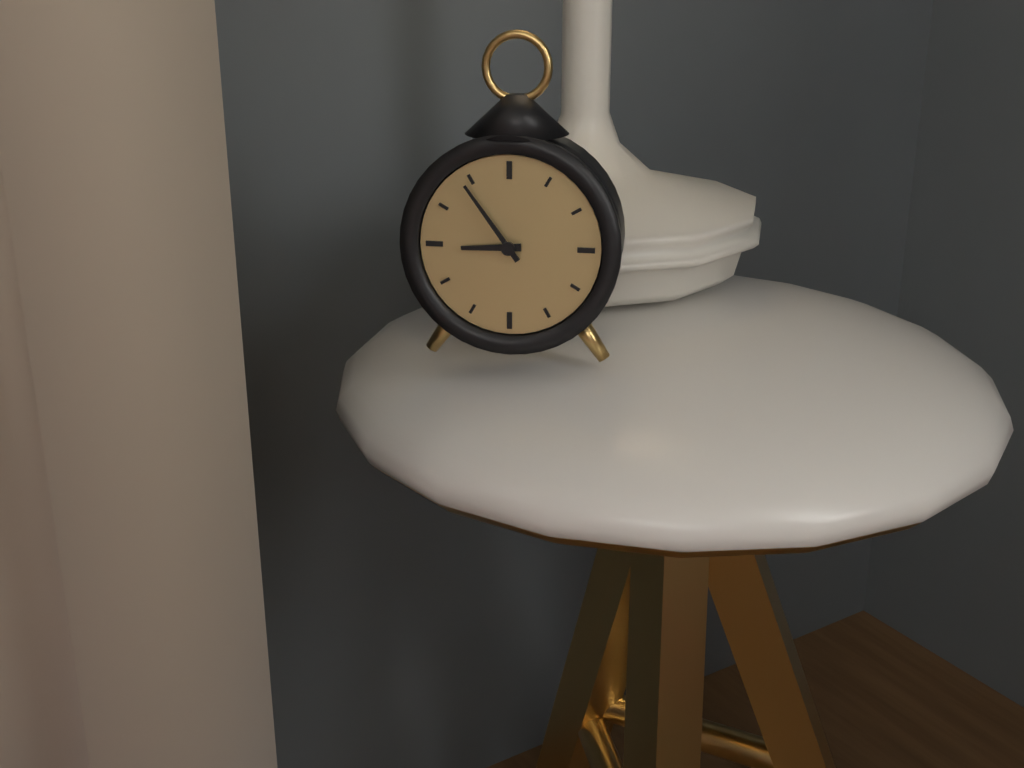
8:54
